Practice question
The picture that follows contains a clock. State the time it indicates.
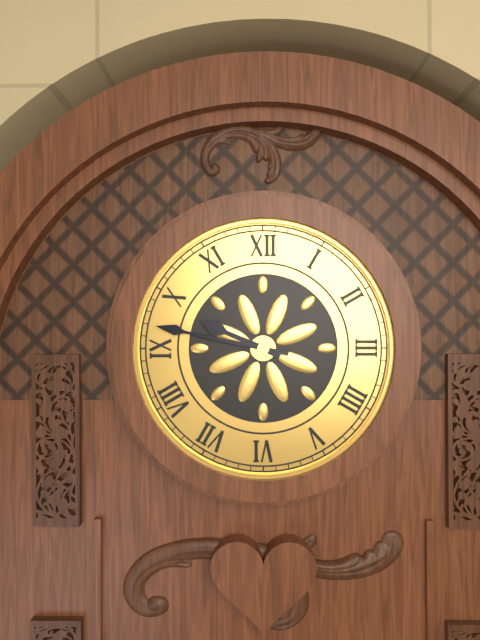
9:47
